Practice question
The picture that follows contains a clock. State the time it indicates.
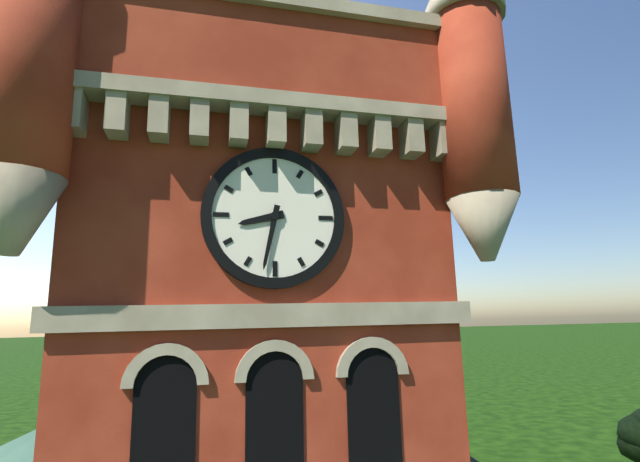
8:32
